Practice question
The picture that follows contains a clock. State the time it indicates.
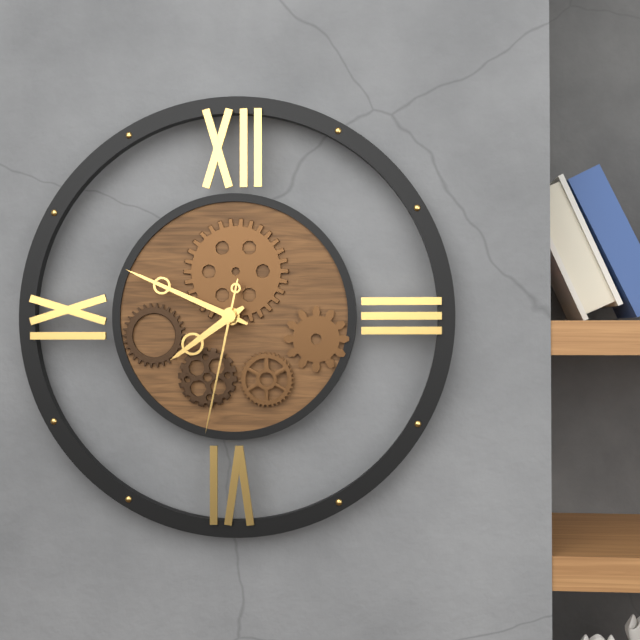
7:49:32
